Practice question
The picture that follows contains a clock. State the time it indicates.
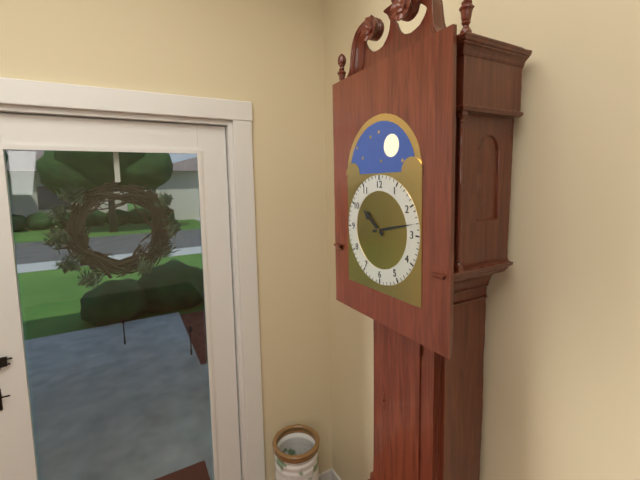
10:13
